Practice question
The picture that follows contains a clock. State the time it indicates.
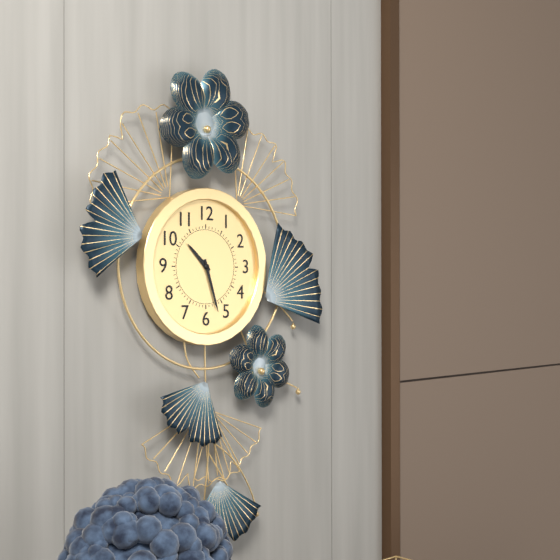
10:27
